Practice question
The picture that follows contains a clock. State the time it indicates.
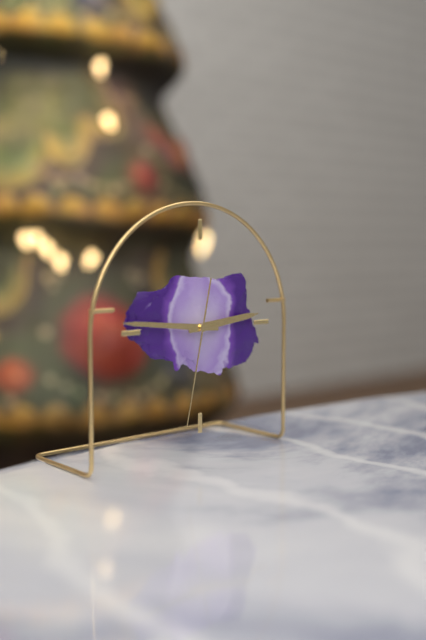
2:46:32
